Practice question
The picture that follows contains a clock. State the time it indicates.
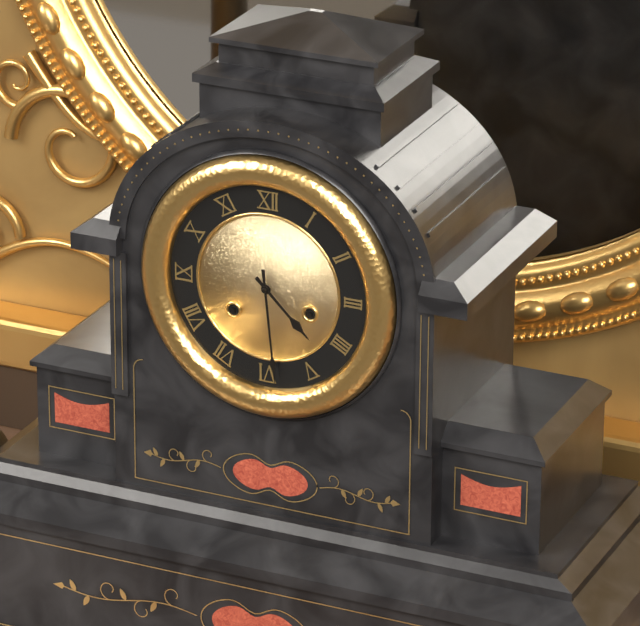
4:29
